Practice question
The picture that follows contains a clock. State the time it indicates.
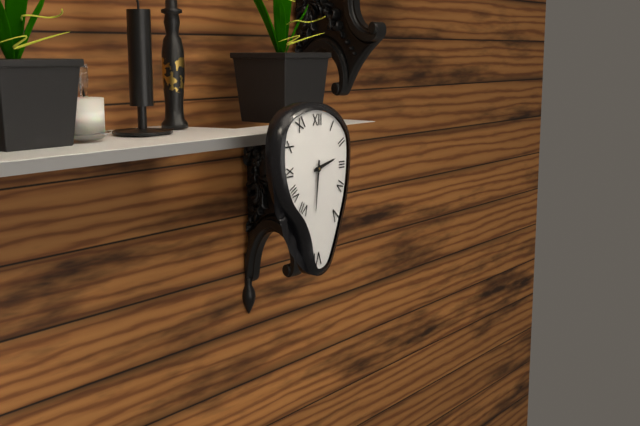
2:31
